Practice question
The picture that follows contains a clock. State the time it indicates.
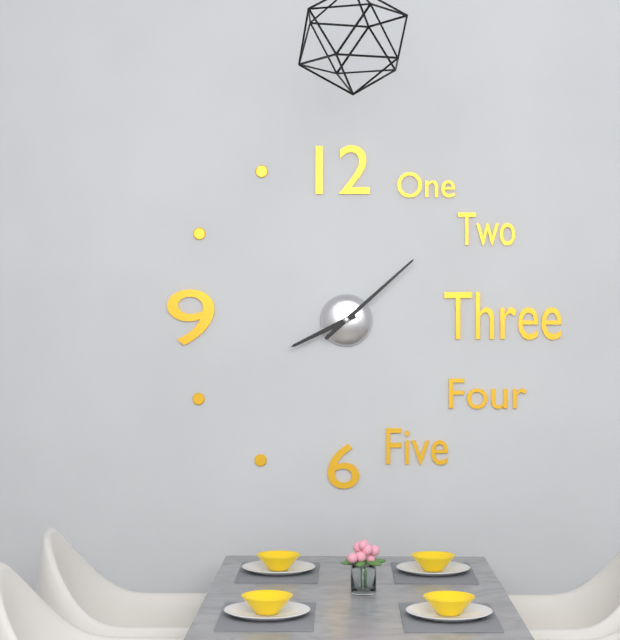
8:08
